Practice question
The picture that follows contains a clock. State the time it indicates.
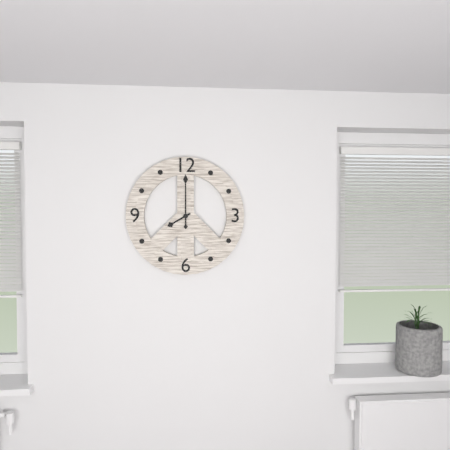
8:00
